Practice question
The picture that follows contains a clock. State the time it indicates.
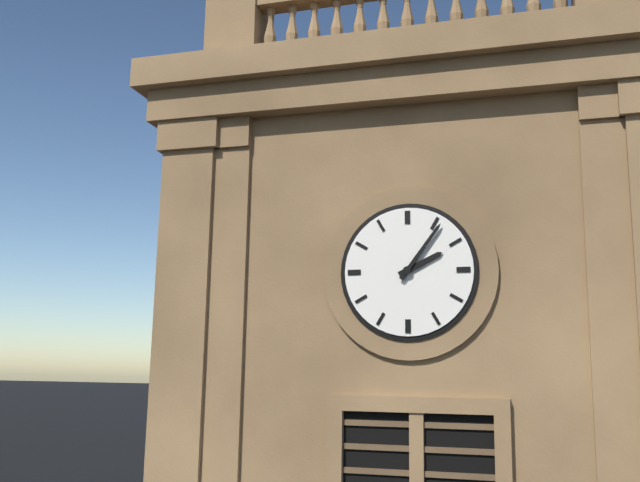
2:06
